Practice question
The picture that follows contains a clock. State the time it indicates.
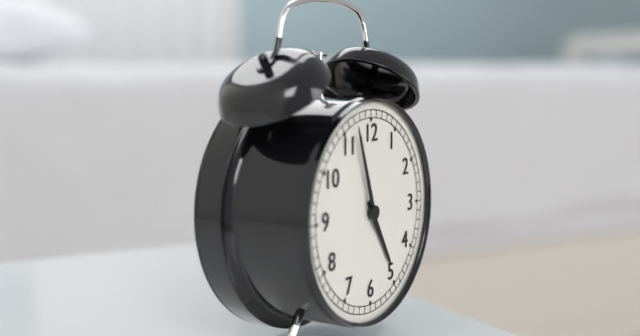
4:57
